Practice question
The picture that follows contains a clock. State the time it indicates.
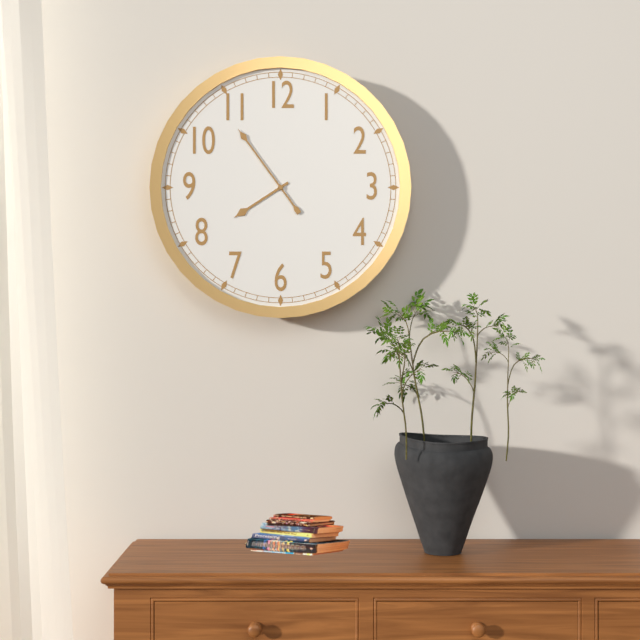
7:54
